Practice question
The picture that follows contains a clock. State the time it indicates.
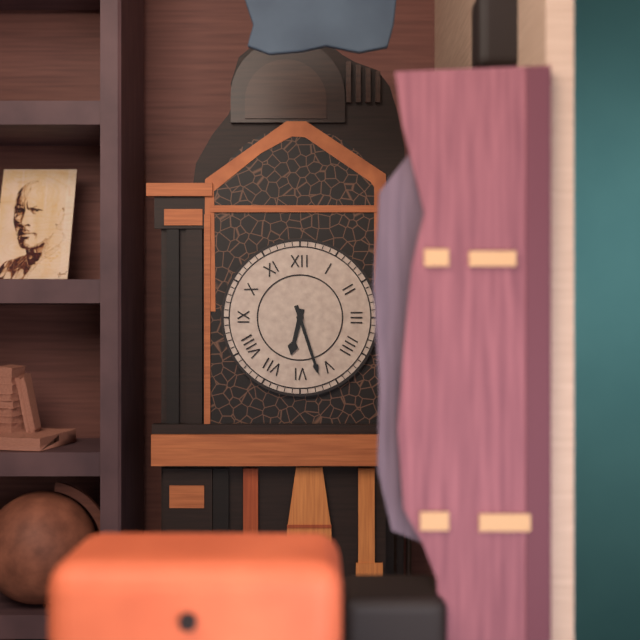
6:27
